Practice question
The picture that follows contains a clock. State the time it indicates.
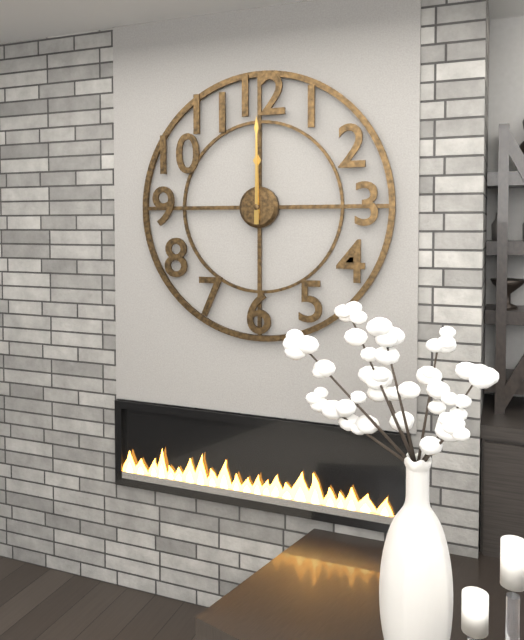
12:00
